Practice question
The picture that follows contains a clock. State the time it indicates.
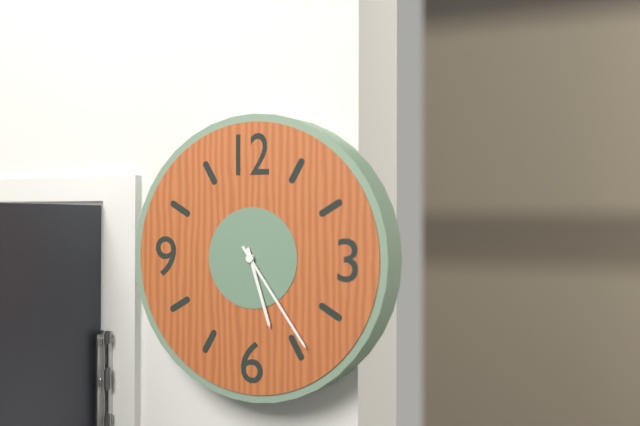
5:24
